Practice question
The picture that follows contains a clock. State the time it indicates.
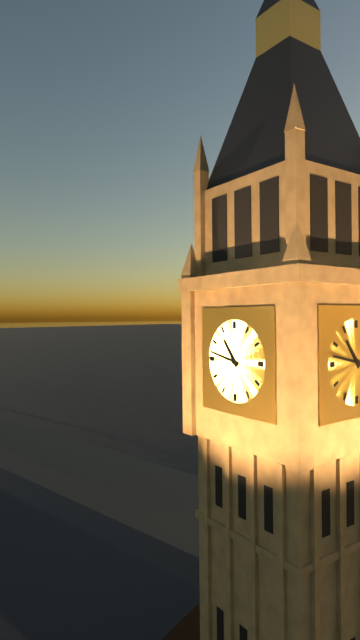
10:47
